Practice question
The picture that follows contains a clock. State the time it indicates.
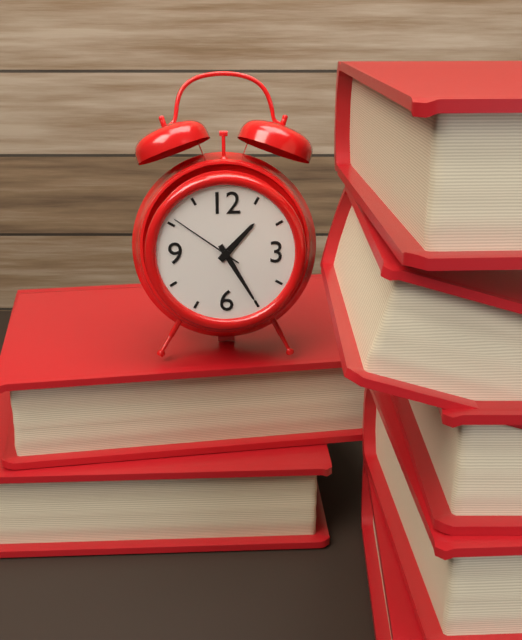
1:25:51
